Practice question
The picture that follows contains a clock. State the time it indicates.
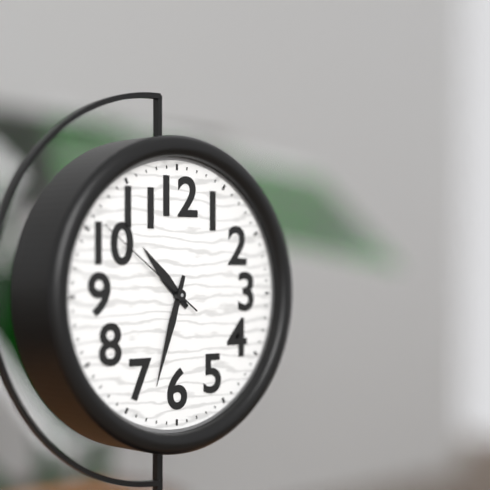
10:33:51
